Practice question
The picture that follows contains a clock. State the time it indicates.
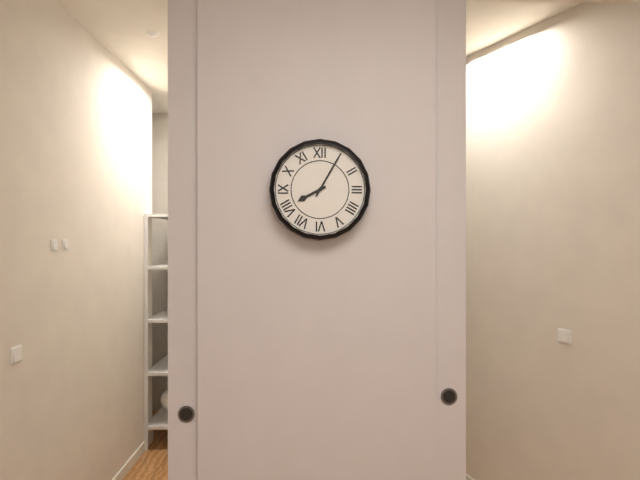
8:05
